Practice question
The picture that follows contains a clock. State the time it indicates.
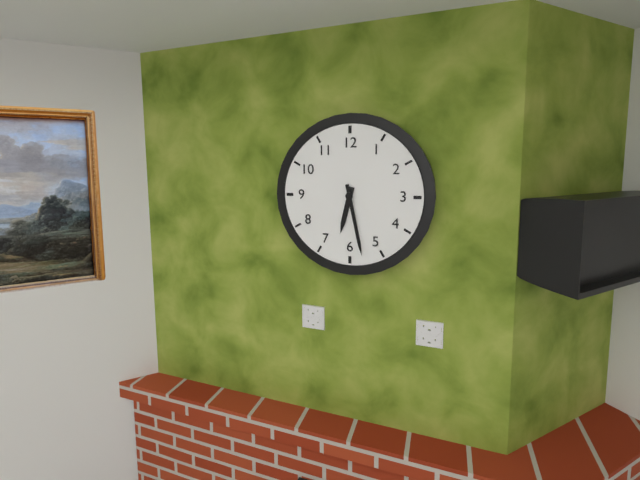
6:28
